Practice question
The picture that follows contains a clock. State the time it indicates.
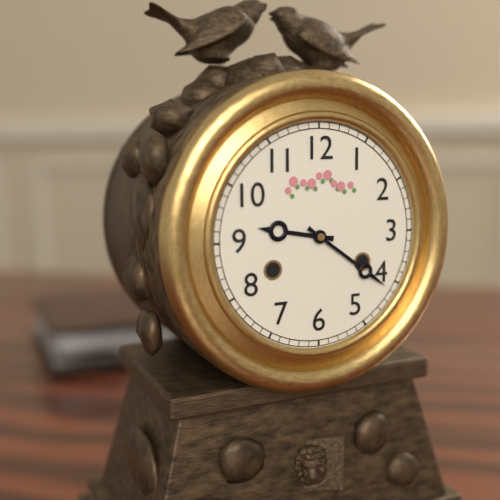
9:21
